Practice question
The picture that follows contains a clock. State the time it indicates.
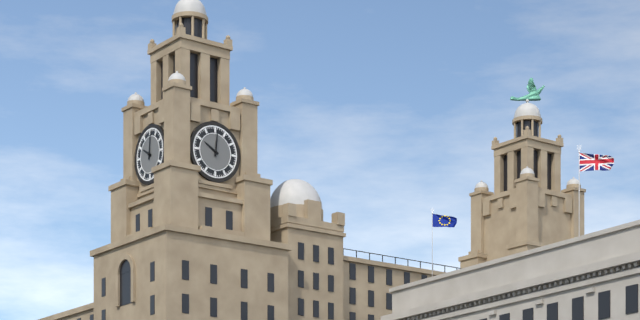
10:01
